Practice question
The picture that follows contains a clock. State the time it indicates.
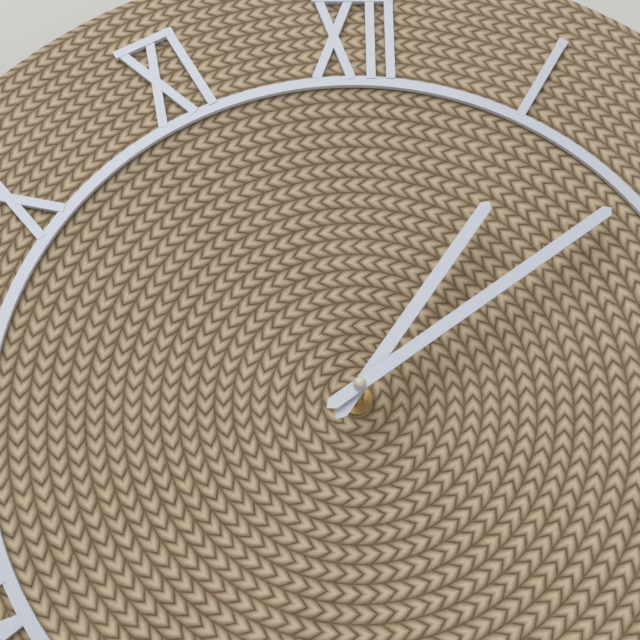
1:09
